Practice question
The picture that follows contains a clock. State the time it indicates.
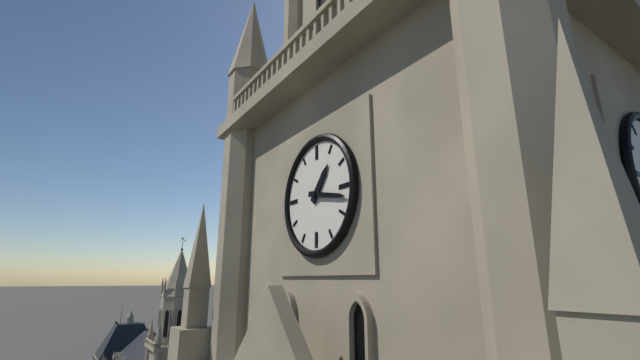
1:17
